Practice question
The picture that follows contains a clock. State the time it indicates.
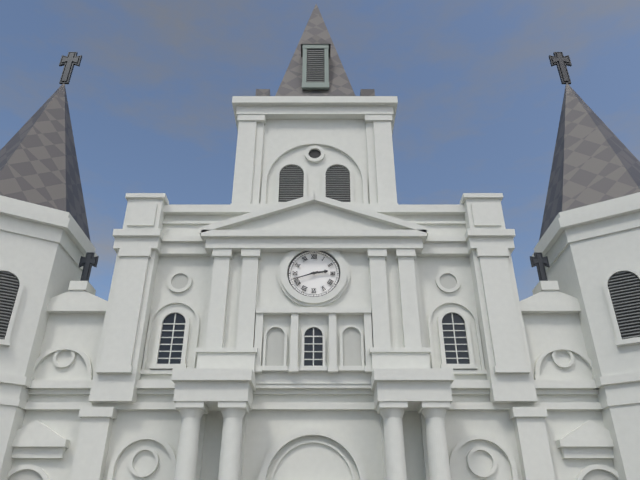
2:42
